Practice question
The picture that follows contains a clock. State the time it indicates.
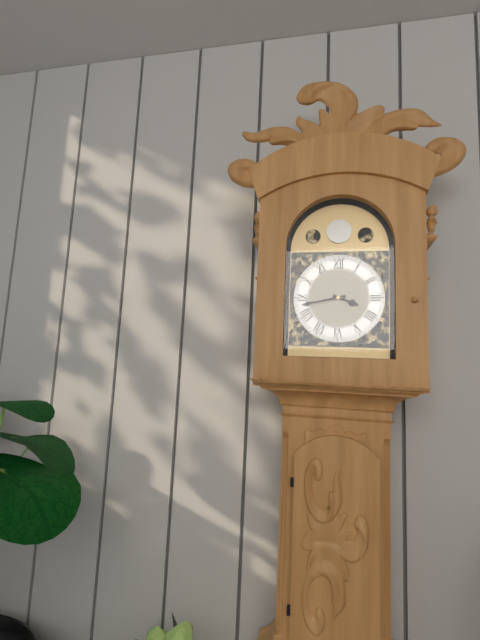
3:43
